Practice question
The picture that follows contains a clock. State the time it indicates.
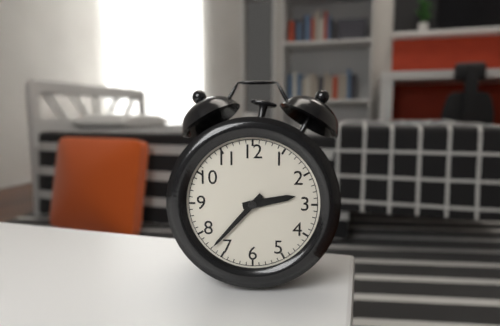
2:37
